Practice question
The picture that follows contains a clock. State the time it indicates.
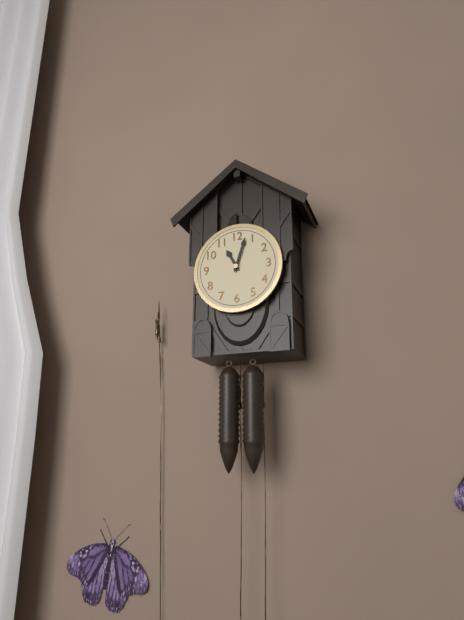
11:03
